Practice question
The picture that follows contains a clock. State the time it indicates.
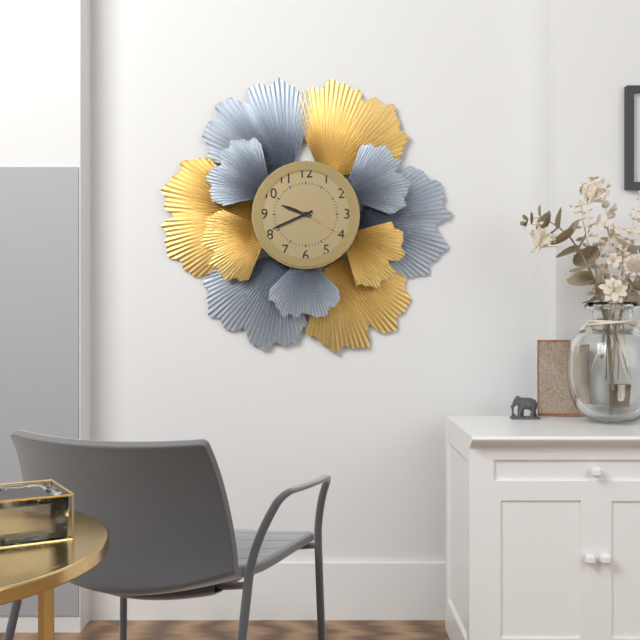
9:41
